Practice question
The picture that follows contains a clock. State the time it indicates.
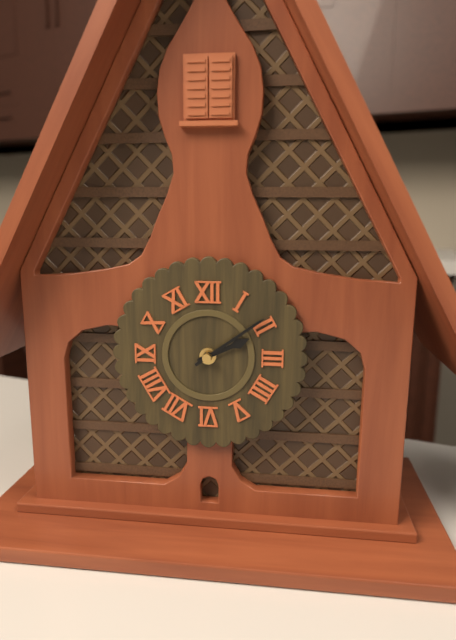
2:09
